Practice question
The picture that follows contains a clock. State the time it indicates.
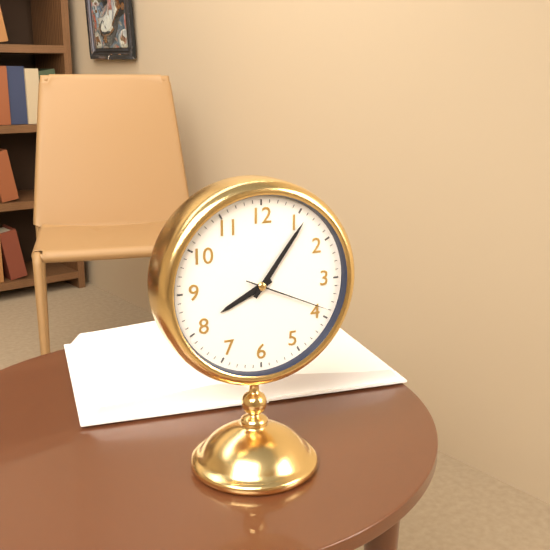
8:06:19
